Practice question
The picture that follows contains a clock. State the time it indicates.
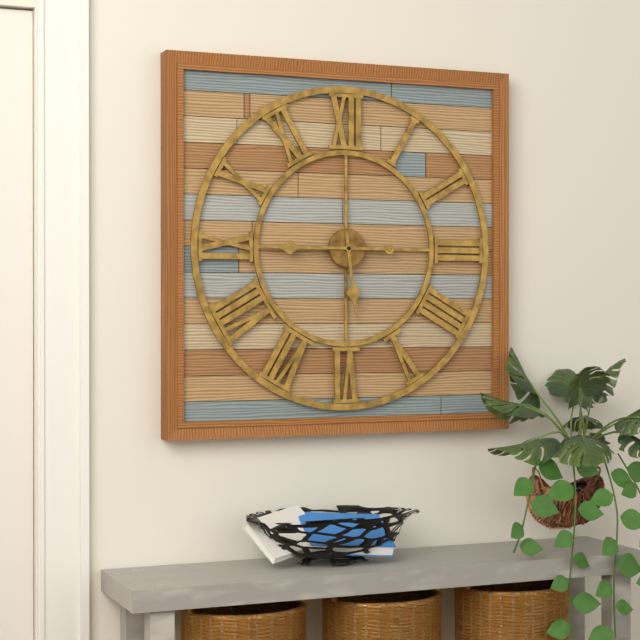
5:45
